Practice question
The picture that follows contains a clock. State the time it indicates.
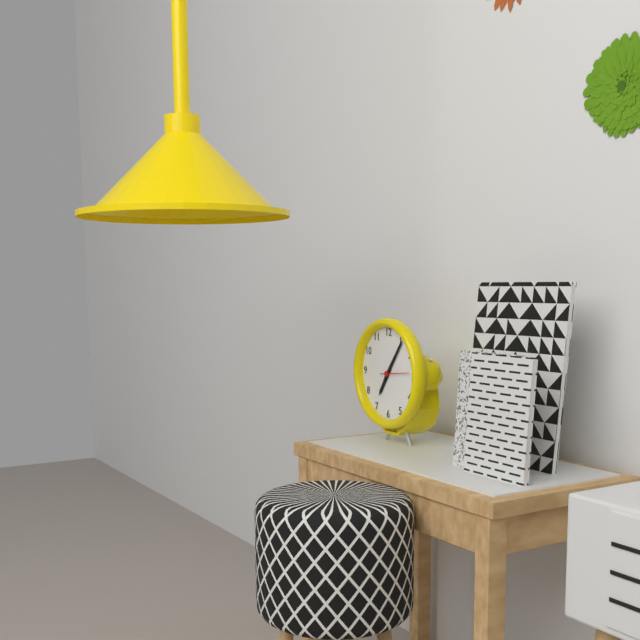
7:06
